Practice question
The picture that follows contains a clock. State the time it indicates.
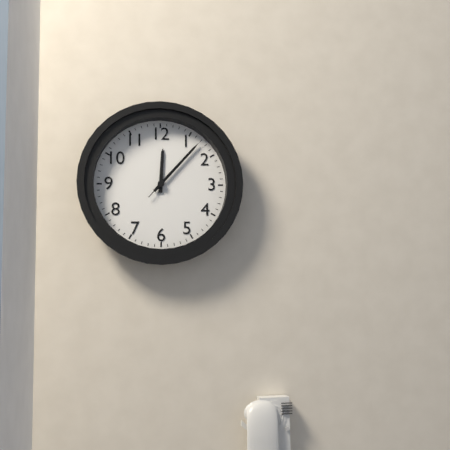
12:07:07
